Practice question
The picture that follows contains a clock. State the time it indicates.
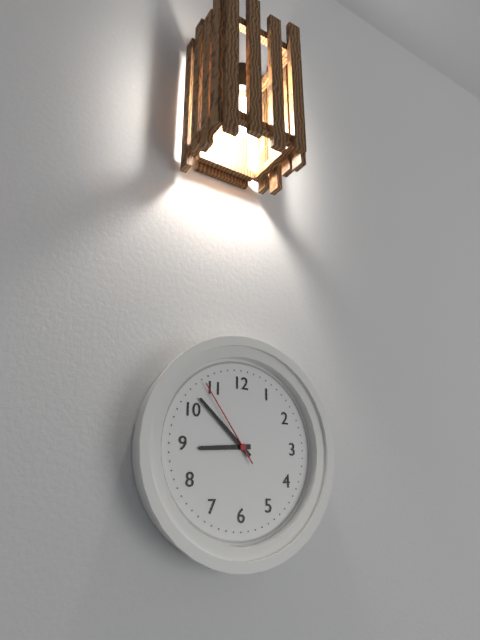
8:52:54
